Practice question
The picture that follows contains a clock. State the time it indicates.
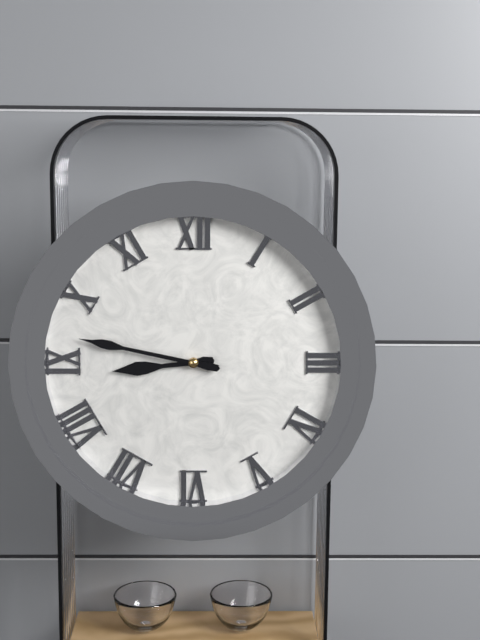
8:47
